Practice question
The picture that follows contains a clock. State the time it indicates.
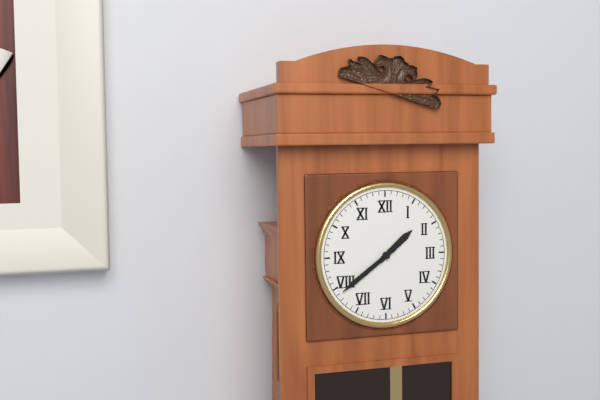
1:39
